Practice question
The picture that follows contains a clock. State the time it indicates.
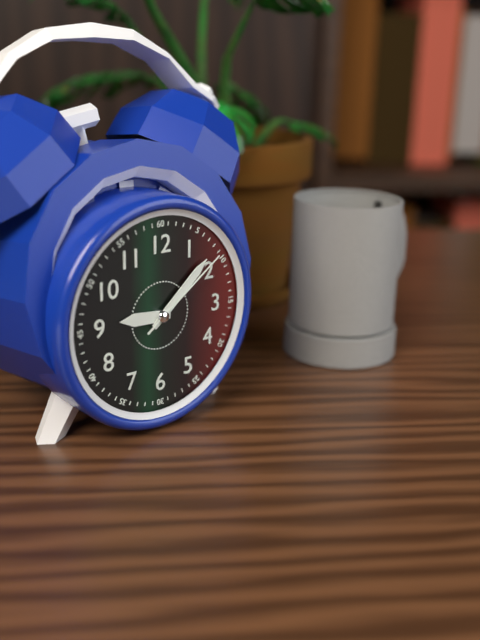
9:08:09
